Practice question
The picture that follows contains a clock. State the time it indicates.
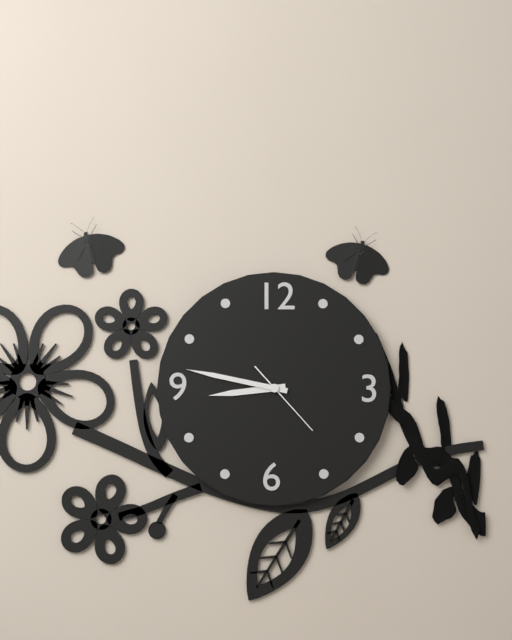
8:47:23
